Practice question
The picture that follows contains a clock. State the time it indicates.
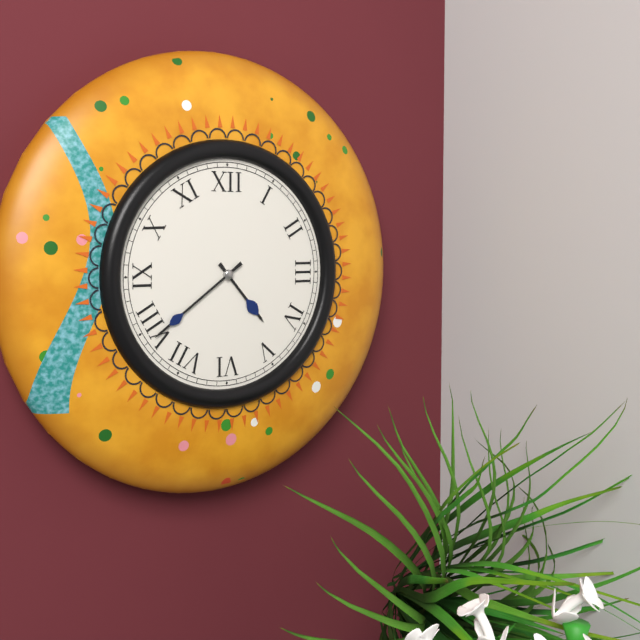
4:39
